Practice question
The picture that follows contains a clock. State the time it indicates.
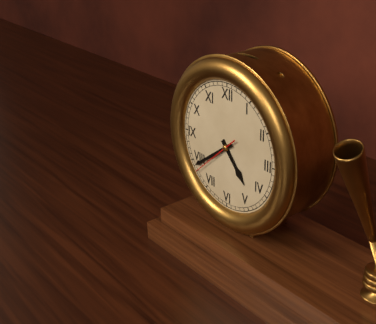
4:39
